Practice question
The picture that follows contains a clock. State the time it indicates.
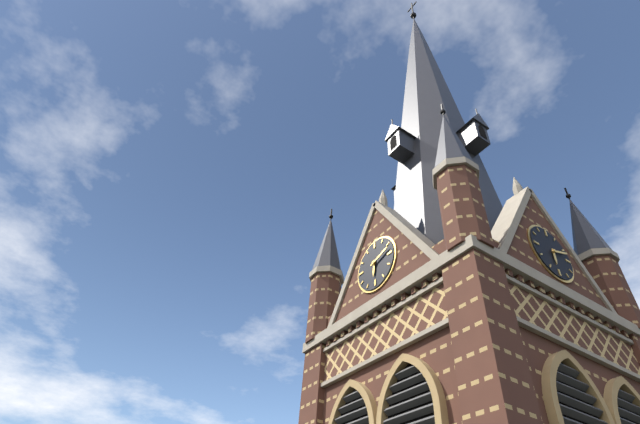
6:12
